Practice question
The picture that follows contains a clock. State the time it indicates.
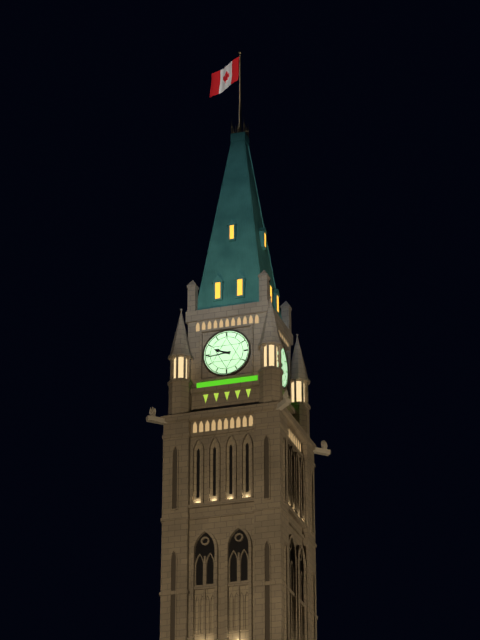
9:44
